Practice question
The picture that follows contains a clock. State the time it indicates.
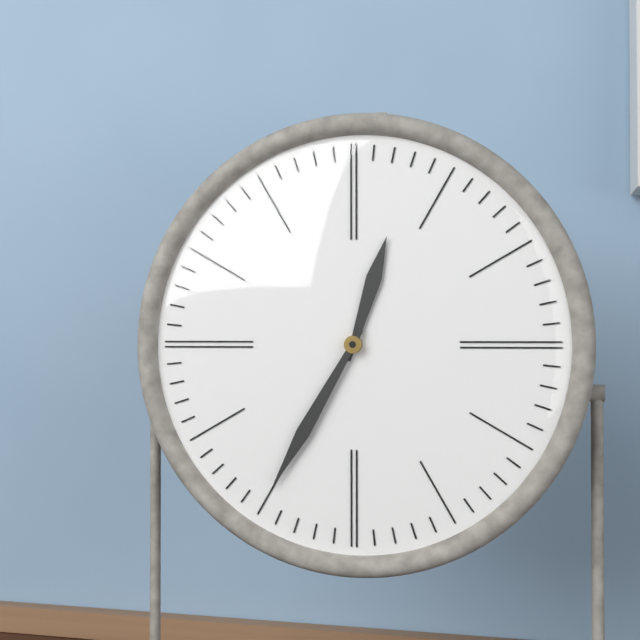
12:35
